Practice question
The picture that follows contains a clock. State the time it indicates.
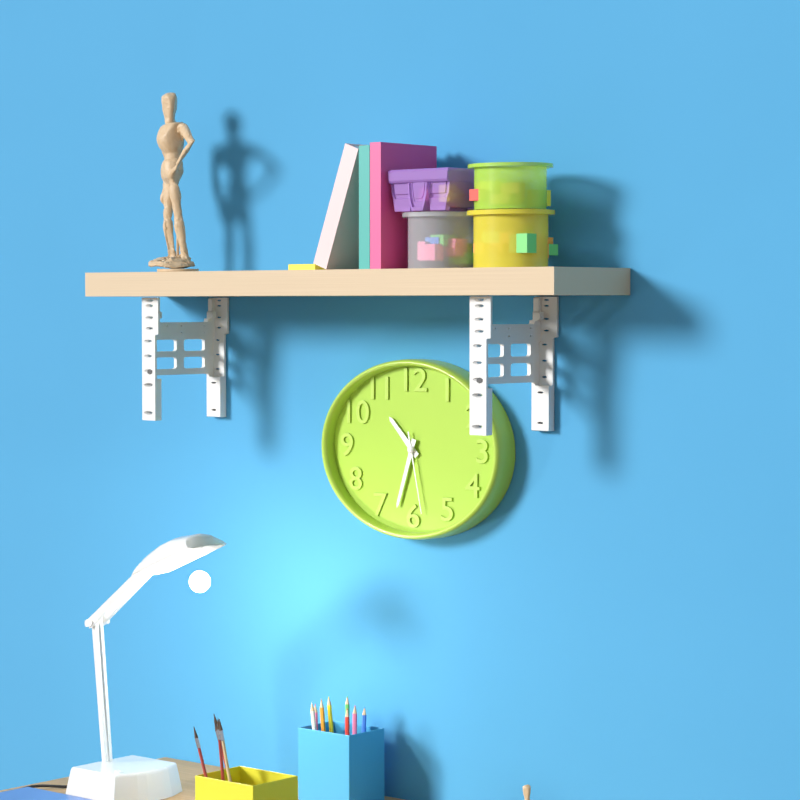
10:33:28
